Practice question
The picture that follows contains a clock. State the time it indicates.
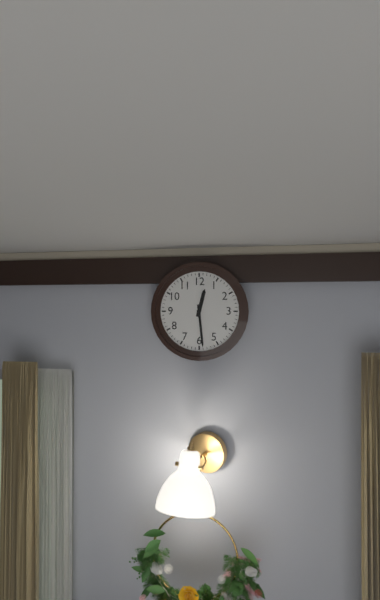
12:29
